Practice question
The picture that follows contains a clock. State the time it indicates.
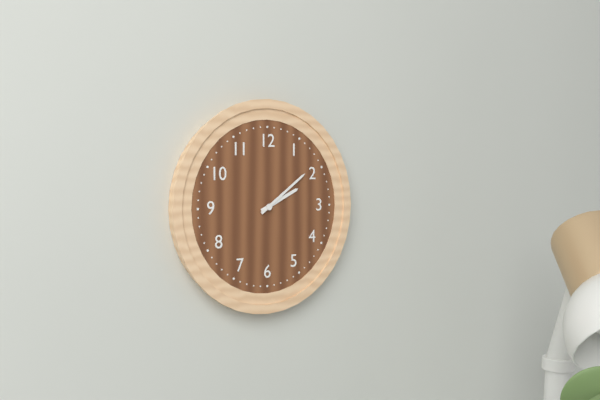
2:09
